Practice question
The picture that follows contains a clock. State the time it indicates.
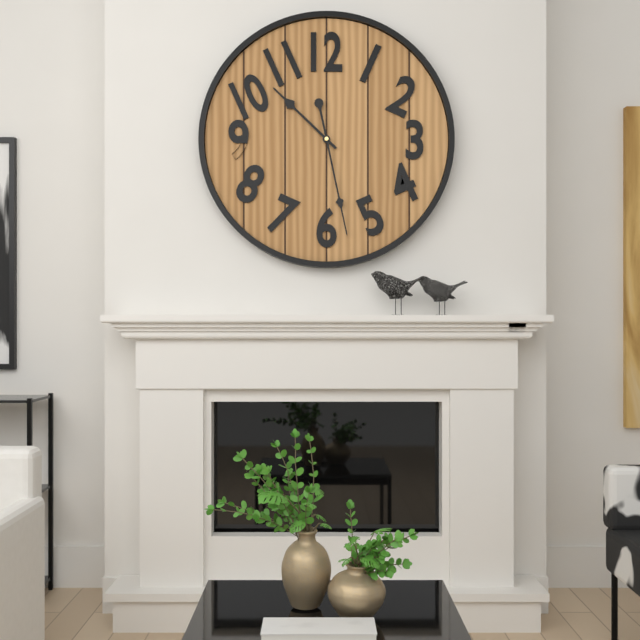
10:28
